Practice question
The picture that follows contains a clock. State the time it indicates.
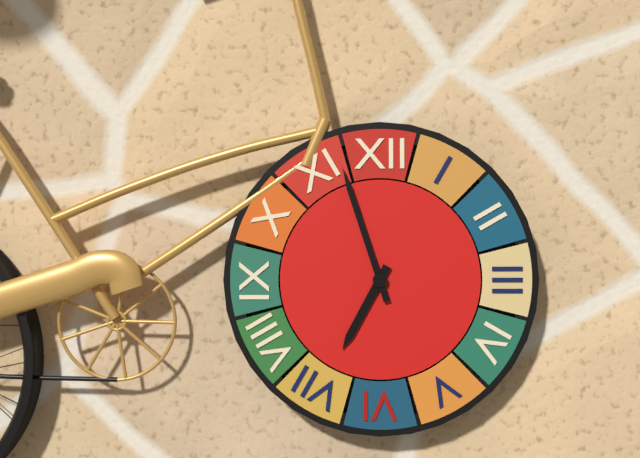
6:57
